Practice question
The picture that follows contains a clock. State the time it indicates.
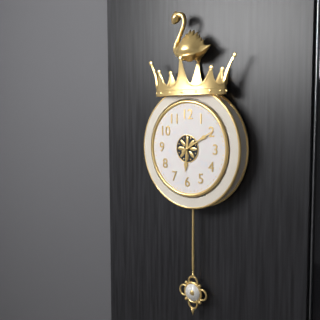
6:10
